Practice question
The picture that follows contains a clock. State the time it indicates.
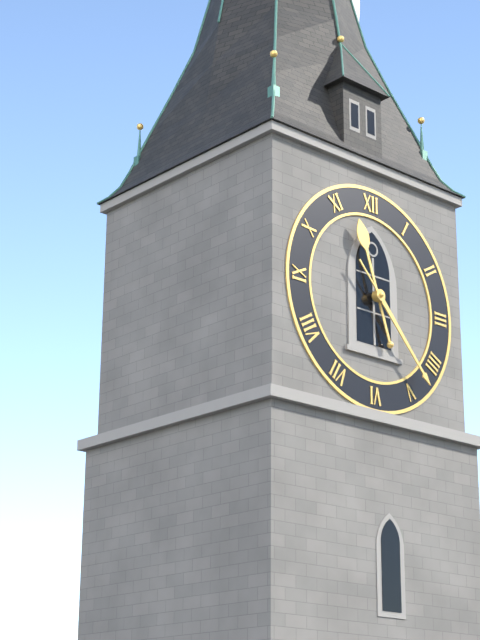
11:23
